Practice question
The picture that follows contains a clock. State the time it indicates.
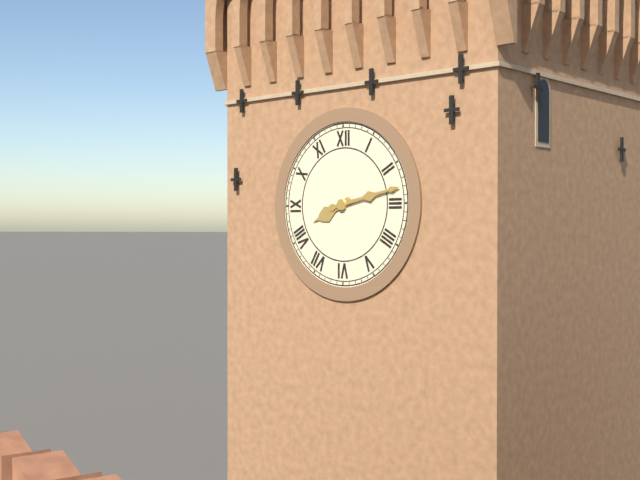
8:13
